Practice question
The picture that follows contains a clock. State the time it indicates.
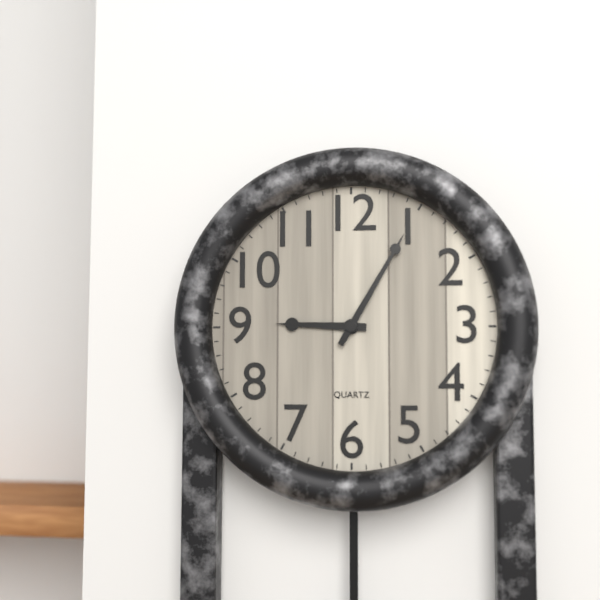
9:05
